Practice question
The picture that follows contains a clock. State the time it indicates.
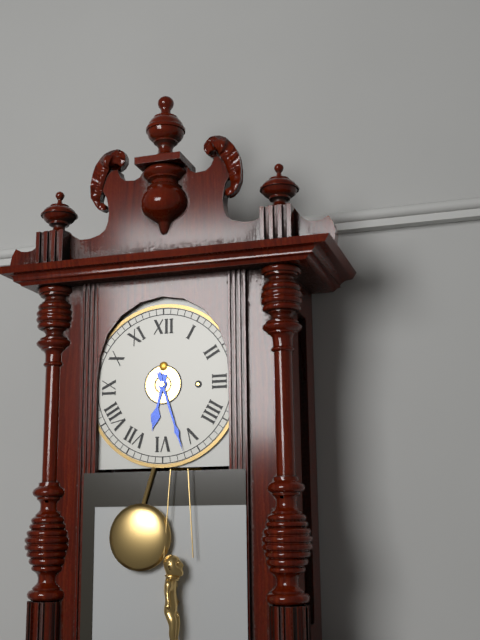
6:27
